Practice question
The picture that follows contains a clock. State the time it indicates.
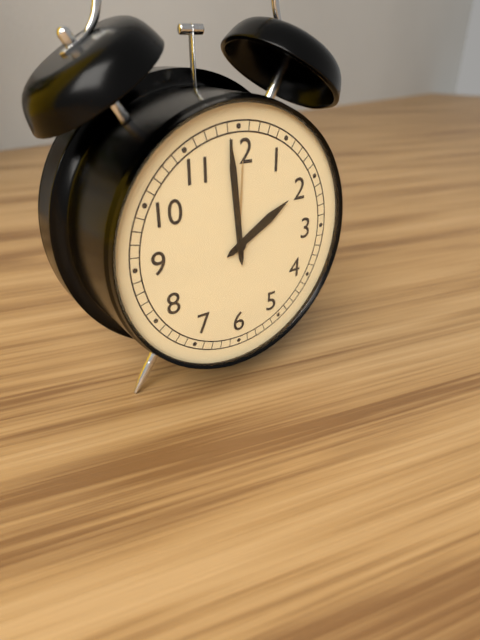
1:59
